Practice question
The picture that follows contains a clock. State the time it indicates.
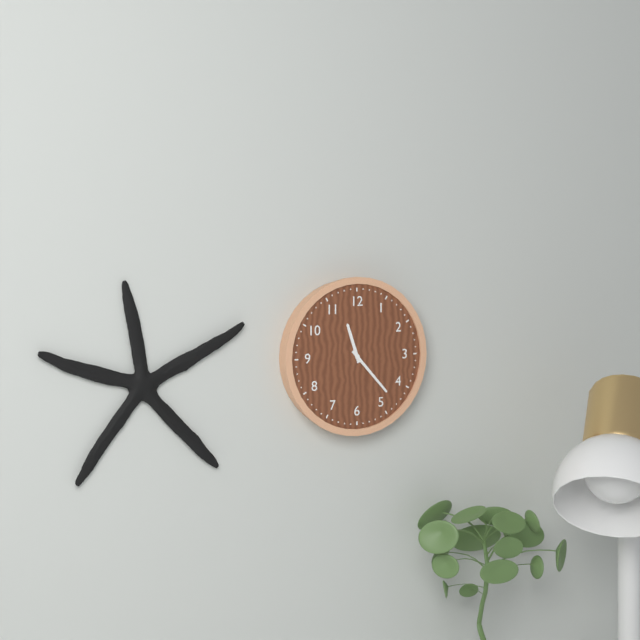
11:23
